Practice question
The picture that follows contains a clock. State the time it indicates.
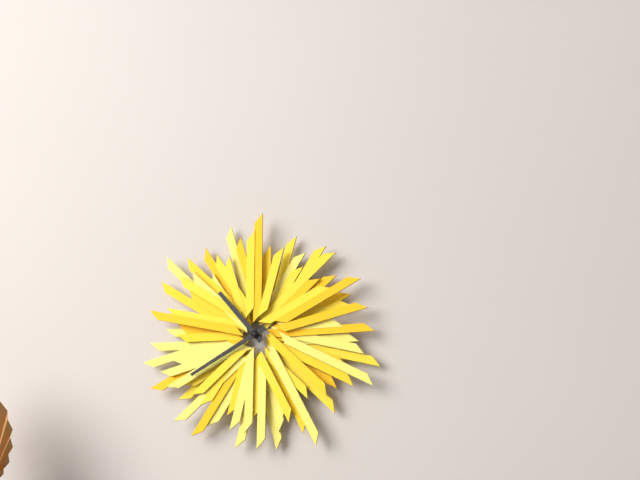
10:40
